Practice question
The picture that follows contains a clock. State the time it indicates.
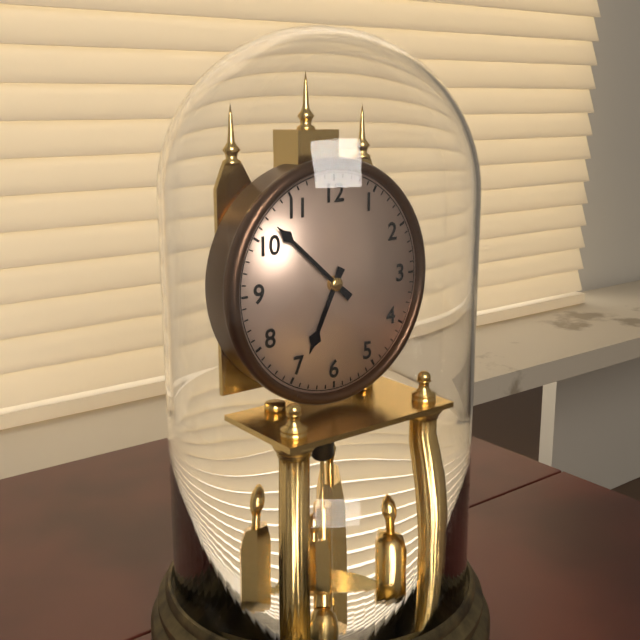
6:52
